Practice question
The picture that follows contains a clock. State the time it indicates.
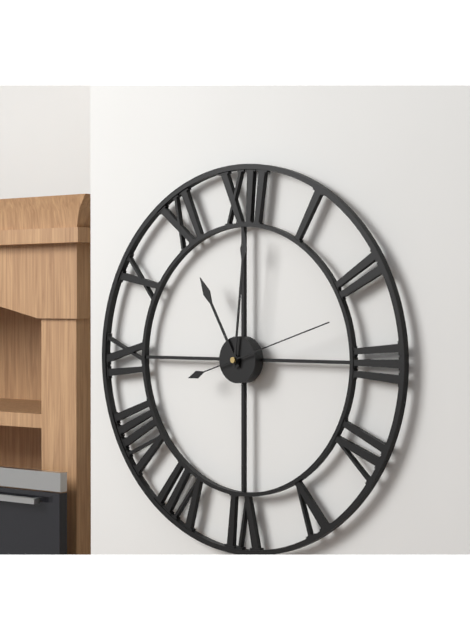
11:01:12
